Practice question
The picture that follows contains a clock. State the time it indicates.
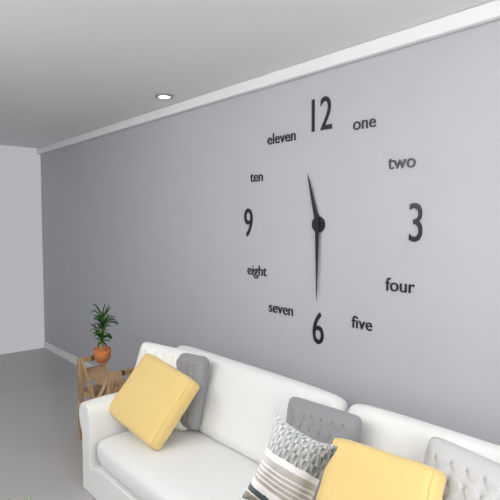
11:30
